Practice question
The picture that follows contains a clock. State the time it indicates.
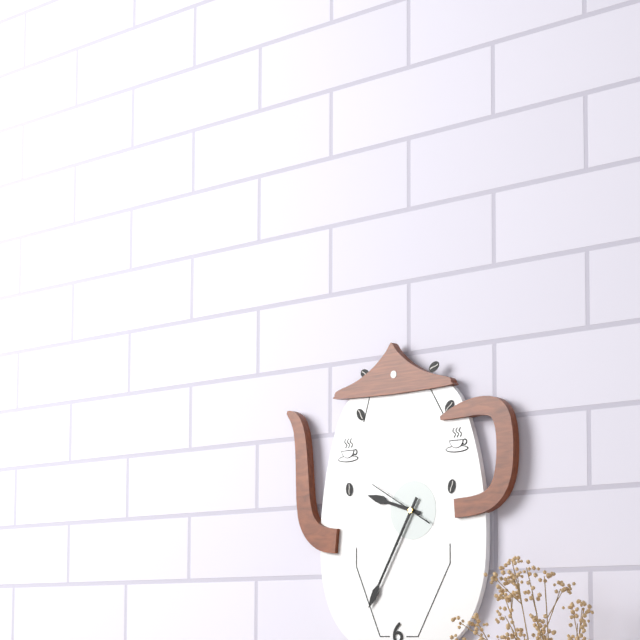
9:35:50
